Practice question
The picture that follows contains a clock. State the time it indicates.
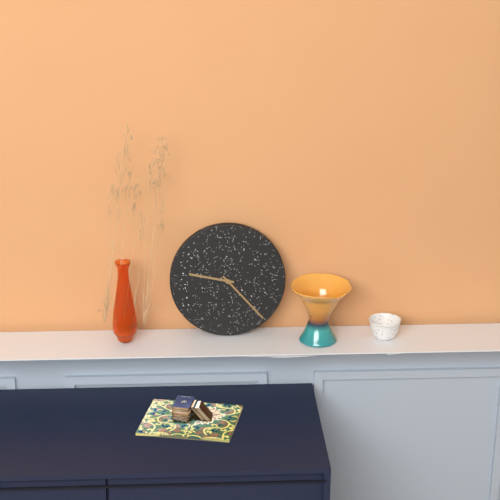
9:23
